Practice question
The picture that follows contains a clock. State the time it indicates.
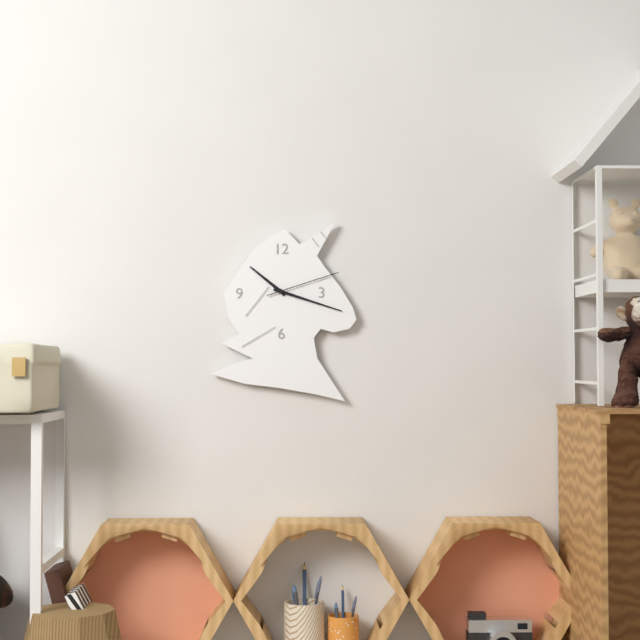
10:18:12
